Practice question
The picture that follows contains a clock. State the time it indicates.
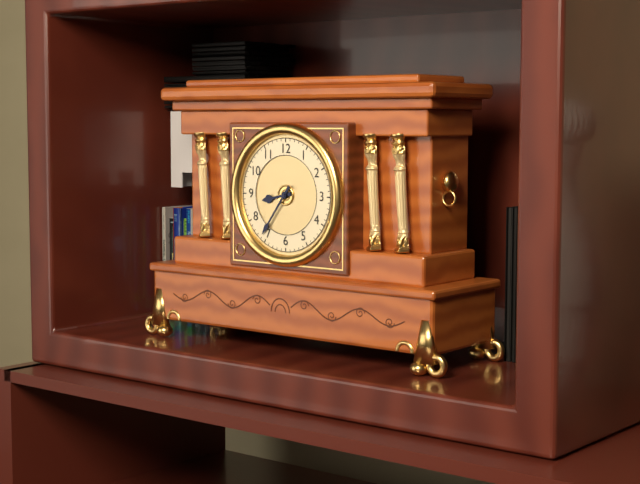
8:36
